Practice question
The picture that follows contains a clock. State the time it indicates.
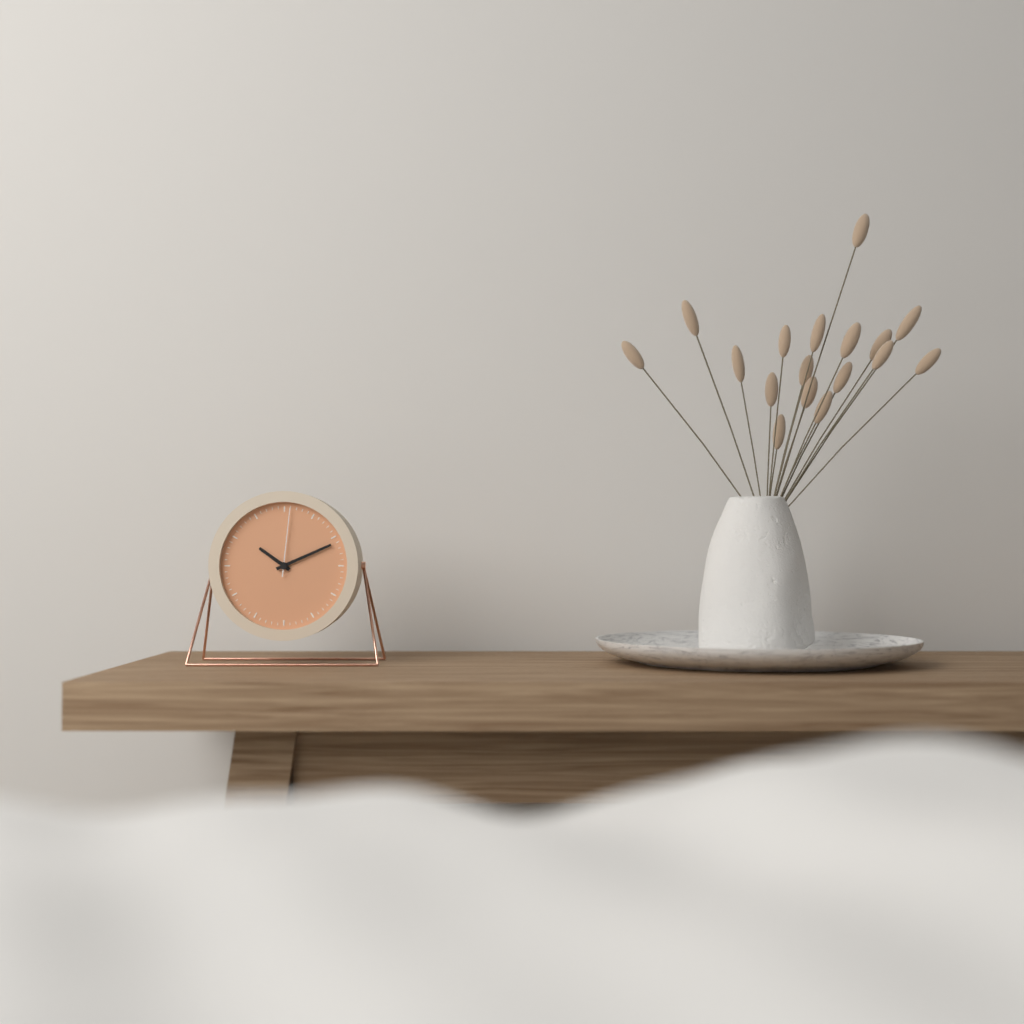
10:11:01
